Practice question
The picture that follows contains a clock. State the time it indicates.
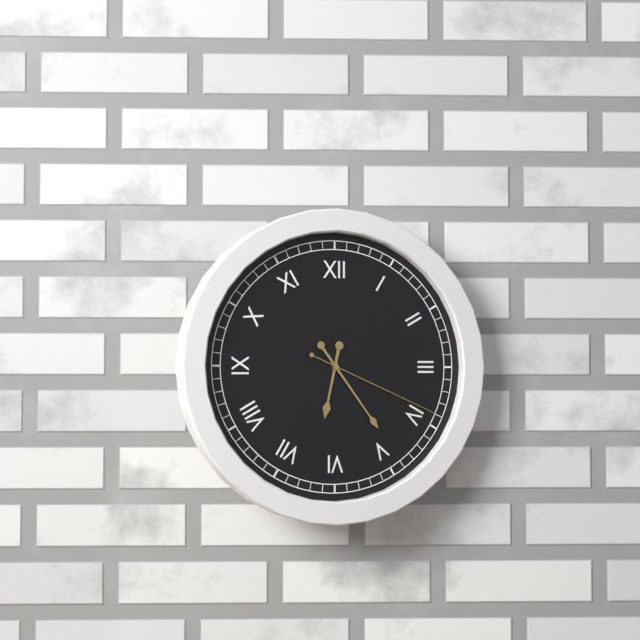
6:24:19
